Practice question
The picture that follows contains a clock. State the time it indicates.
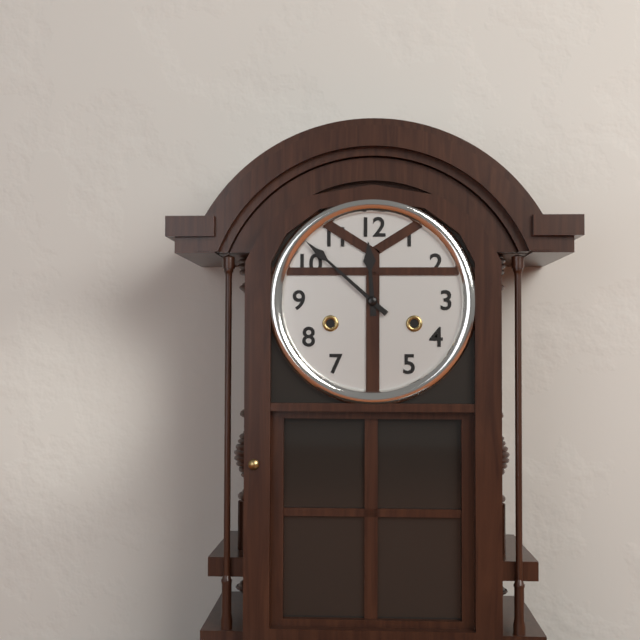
11:52
